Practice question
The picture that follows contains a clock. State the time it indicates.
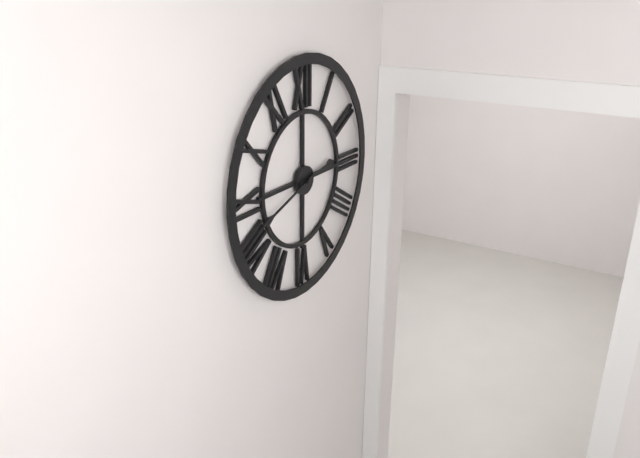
2:42
